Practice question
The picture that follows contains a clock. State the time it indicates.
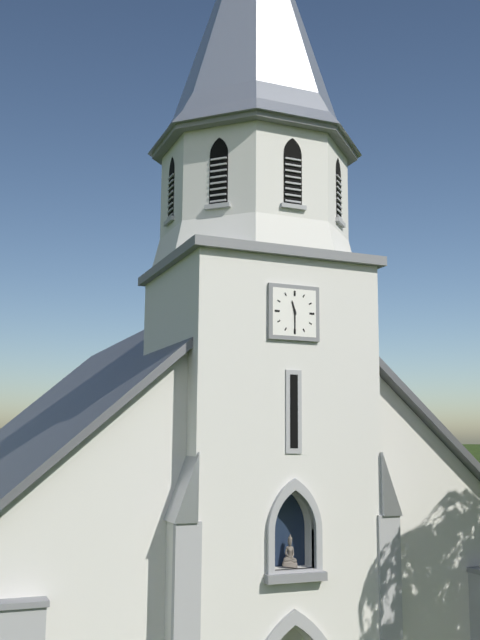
11:30
